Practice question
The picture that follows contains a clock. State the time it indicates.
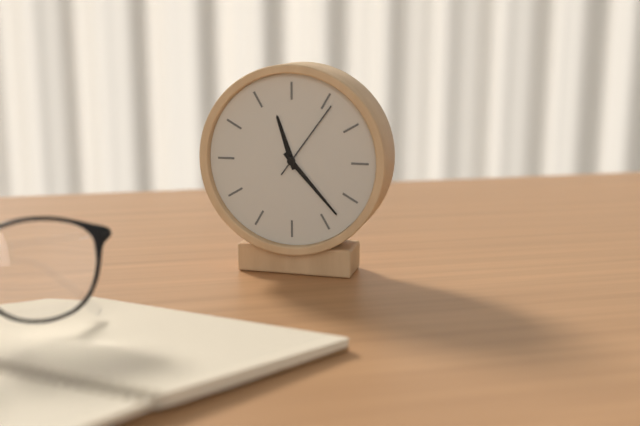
11:23:06
